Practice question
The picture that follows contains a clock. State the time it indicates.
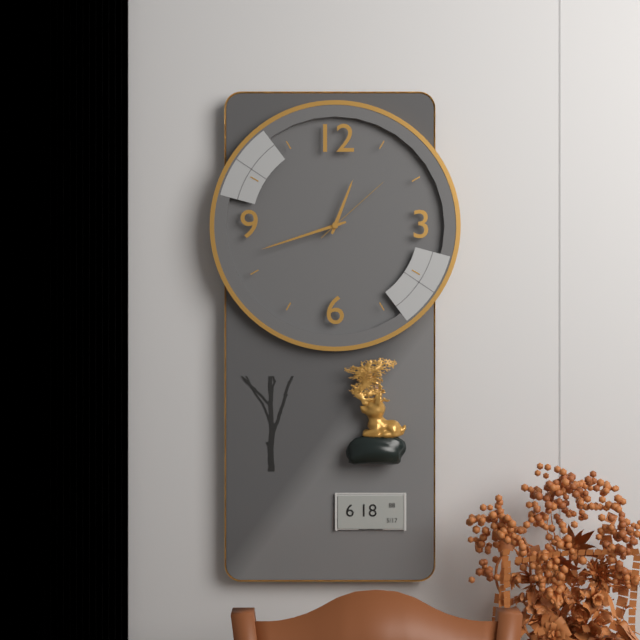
12:42:08
